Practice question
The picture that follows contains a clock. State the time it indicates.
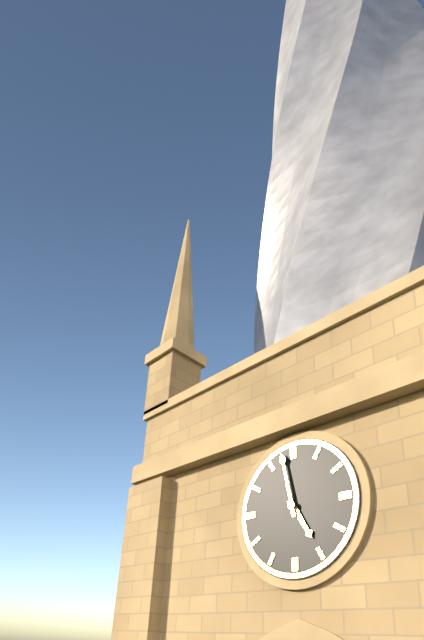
4:58
